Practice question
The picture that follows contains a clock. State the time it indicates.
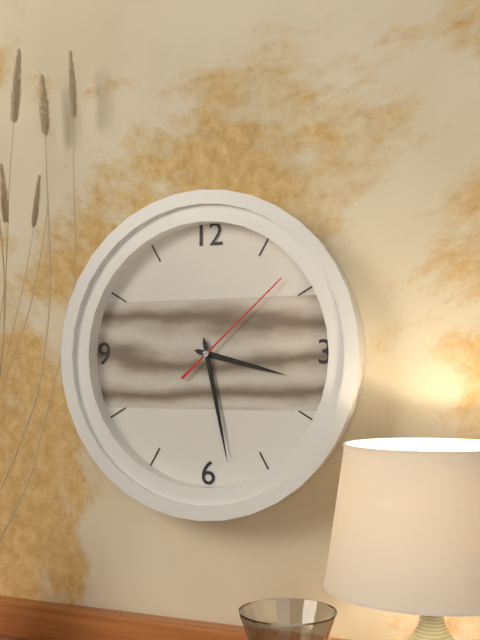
3:28:08
